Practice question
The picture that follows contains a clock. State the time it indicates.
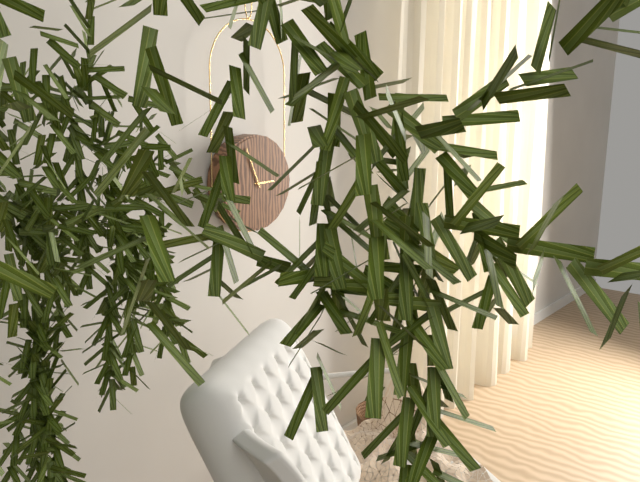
2:56
